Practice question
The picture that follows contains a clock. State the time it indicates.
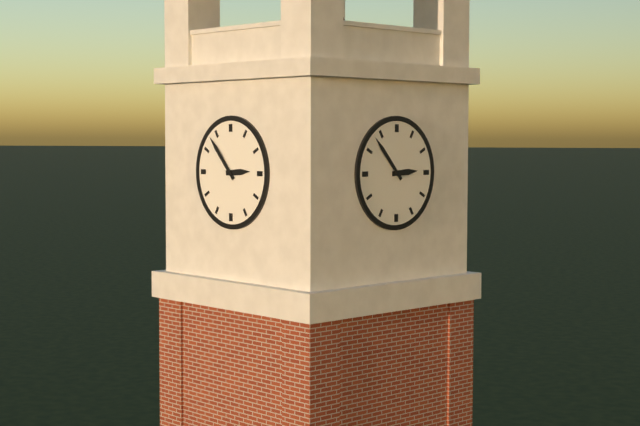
2:53
